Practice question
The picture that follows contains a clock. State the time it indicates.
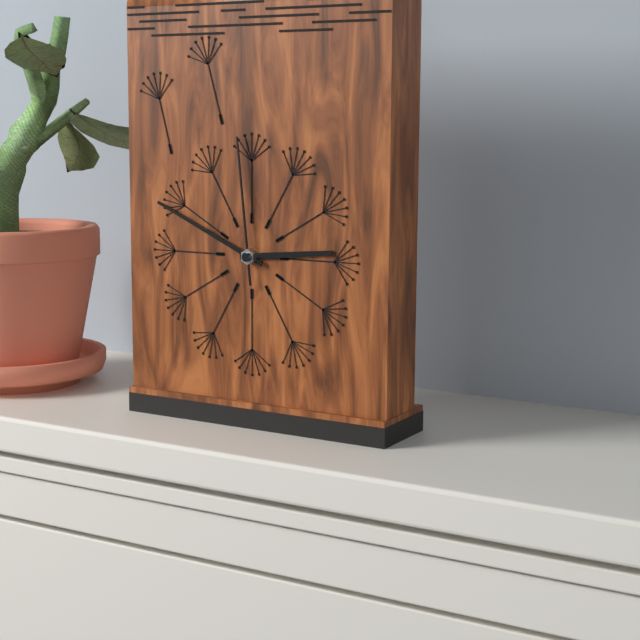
2:49:59
